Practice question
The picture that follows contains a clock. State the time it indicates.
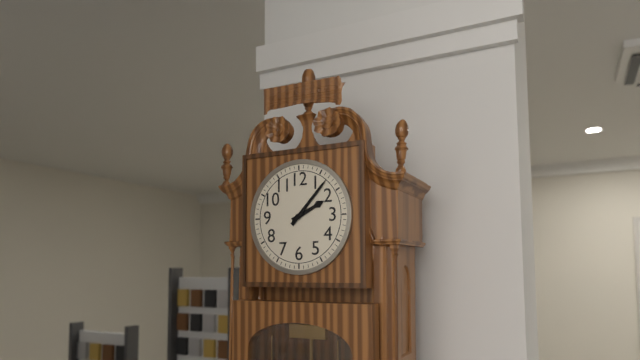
2:07
